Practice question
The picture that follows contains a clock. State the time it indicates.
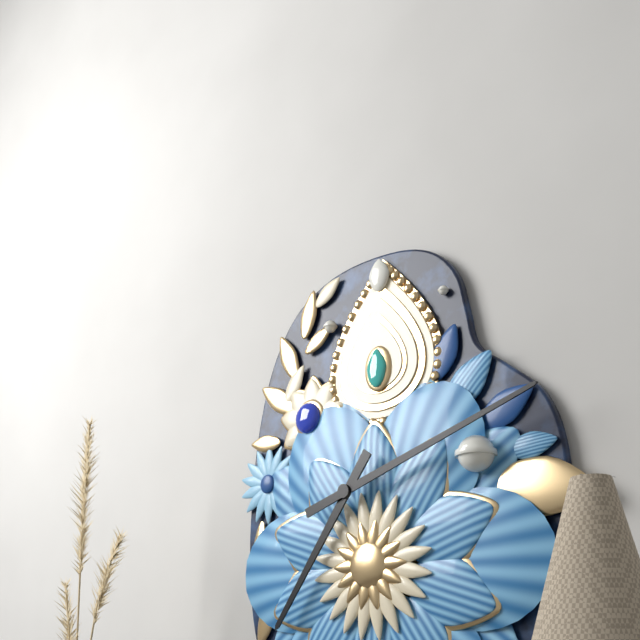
7:12
